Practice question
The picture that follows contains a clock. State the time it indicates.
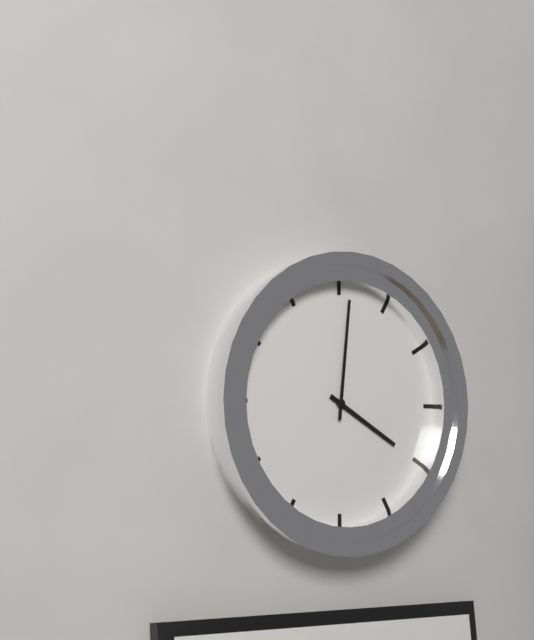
4:01
